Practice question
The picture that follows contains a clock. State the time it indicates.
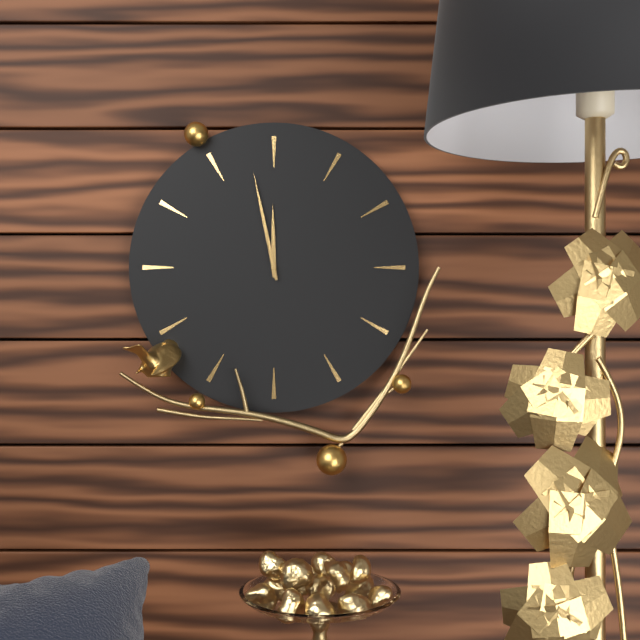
11:58
